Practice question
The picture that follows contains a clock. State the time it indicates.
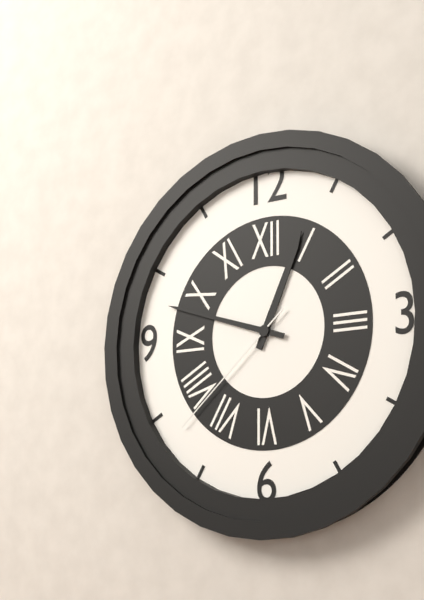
12:48:38
